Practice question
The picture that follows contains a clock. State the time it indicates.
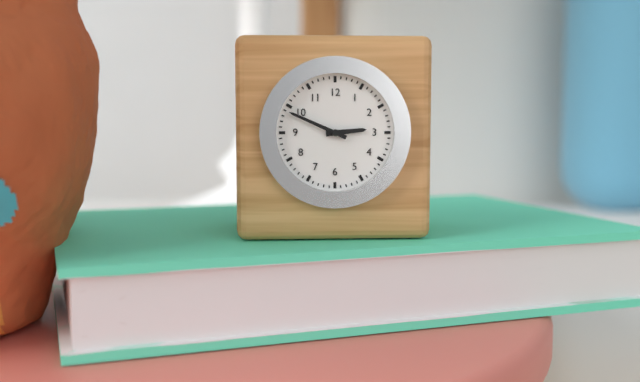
2:49
